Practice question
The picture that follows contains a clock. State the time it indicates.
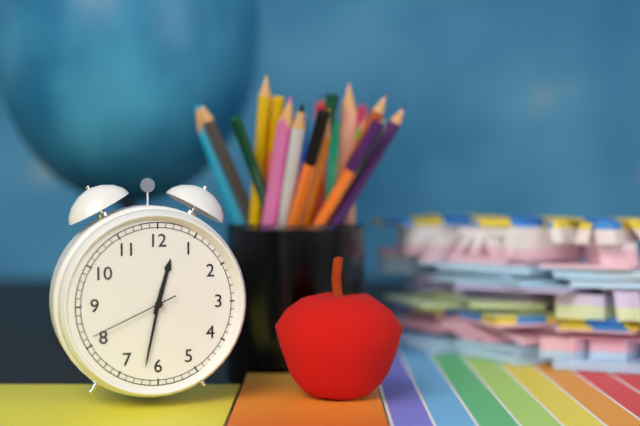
12:32:41
